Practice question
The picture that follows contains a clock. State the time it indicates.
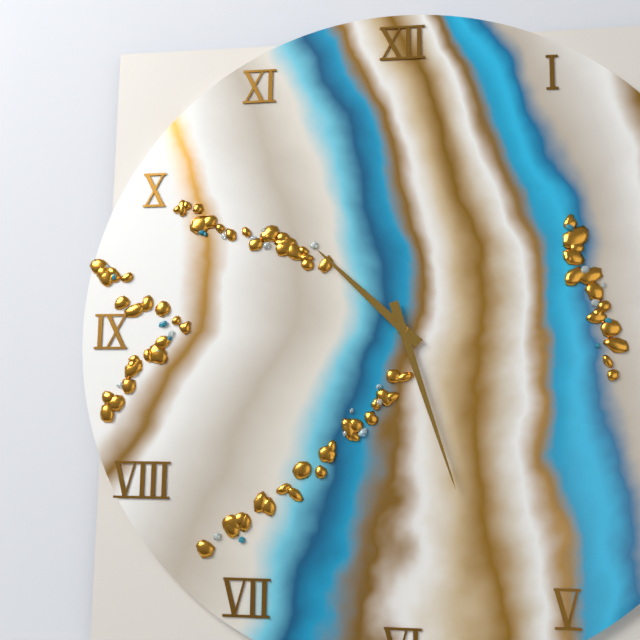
10:27
